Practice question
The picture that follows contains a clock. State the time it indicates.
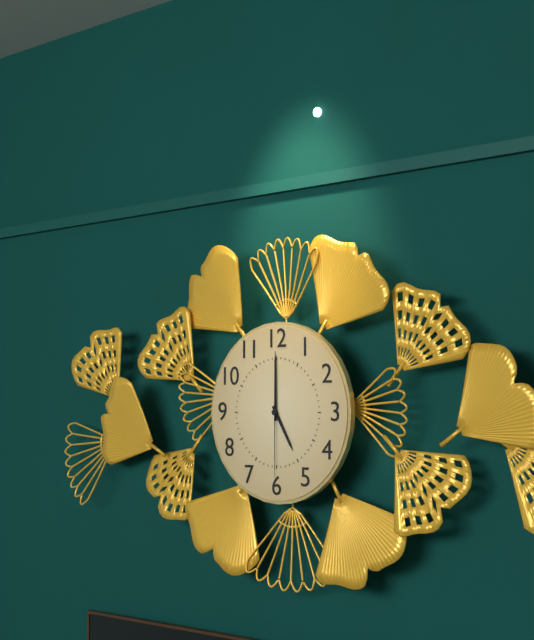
5:00:30
